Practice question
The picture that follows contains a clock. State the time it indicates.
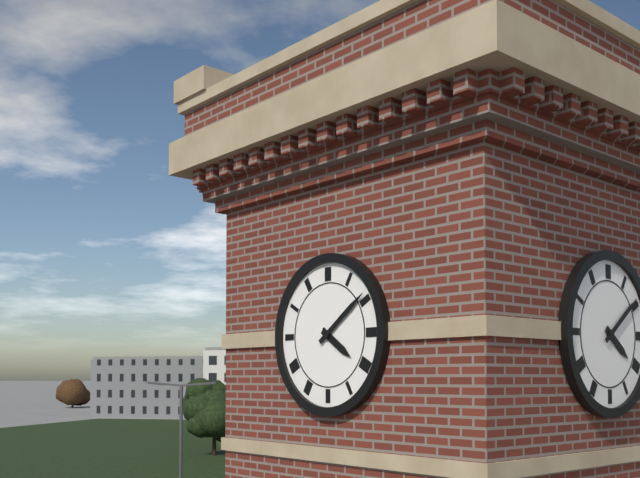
4:09
